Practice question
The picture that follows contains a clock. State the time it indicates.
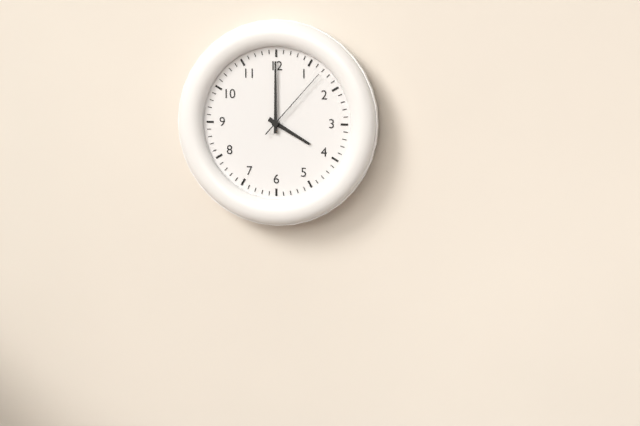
4:00:07
